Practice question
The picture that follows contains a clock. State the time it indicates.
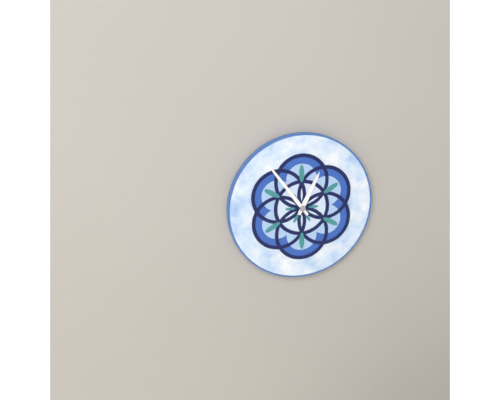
12:54
